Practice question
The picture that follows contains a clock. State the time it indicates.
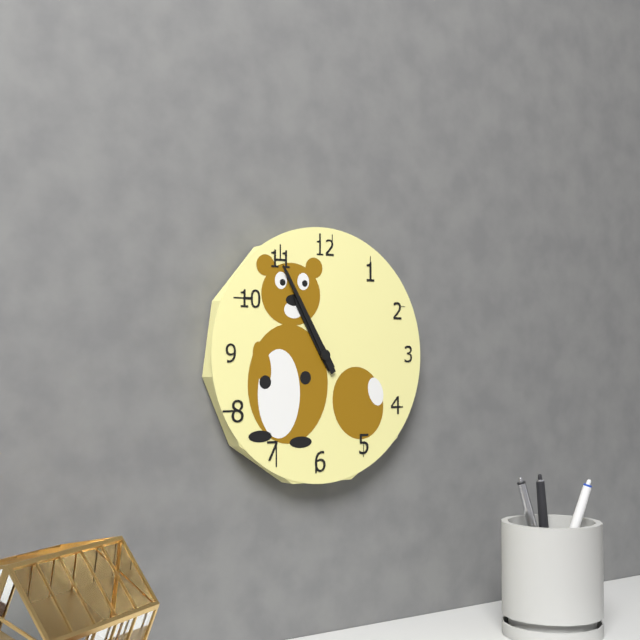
10:55
